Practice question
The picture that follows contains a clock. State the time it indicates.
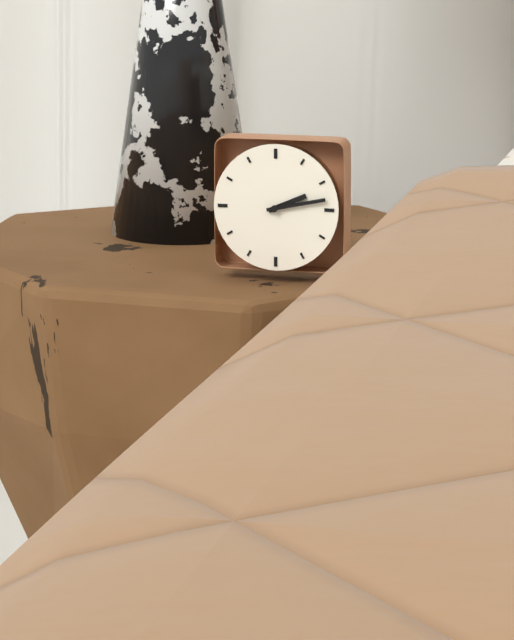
2:13
